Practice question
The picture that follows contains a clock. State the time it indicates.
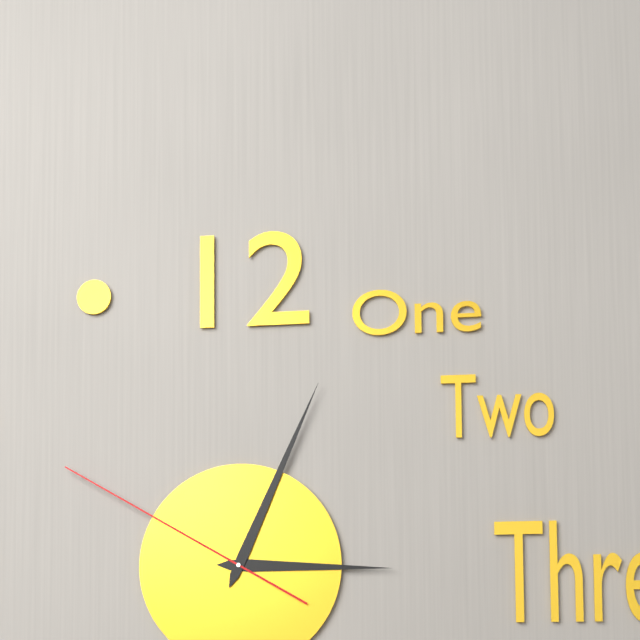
3:04:50
